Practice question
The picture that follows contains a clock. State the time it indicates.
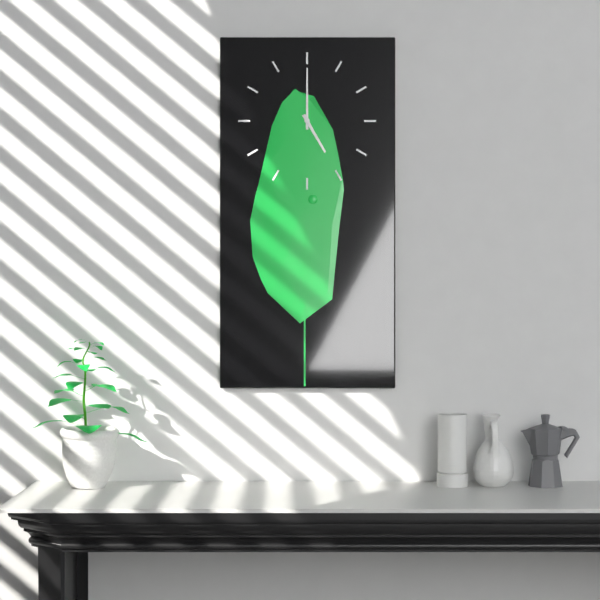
5:00
